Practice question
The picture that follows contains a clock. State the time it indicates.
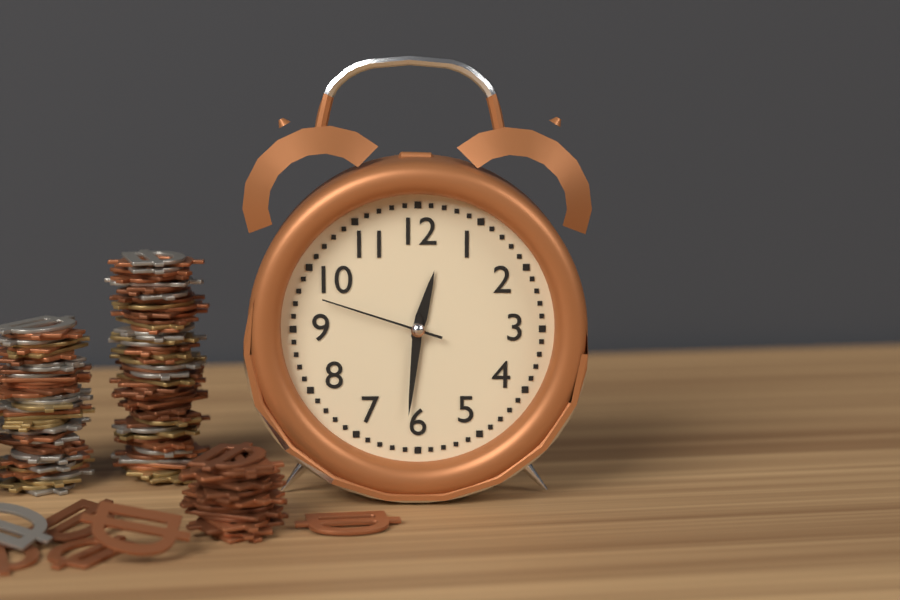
12:31:48
